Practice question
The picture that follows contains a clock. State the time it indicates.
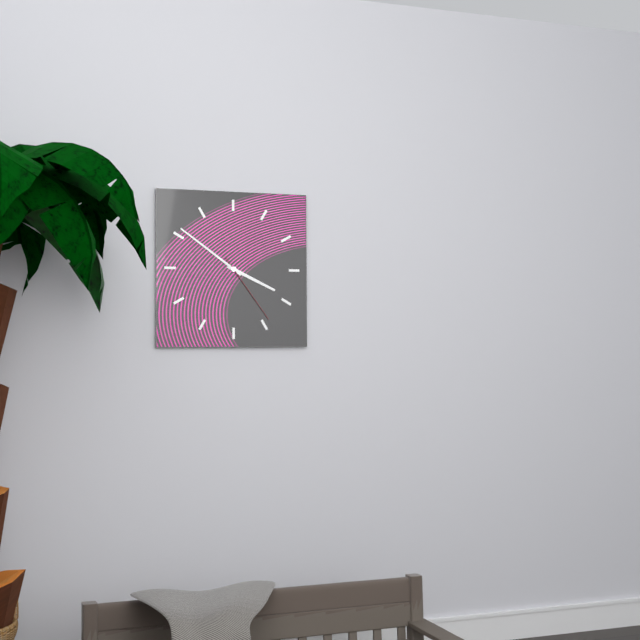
3:51:24
